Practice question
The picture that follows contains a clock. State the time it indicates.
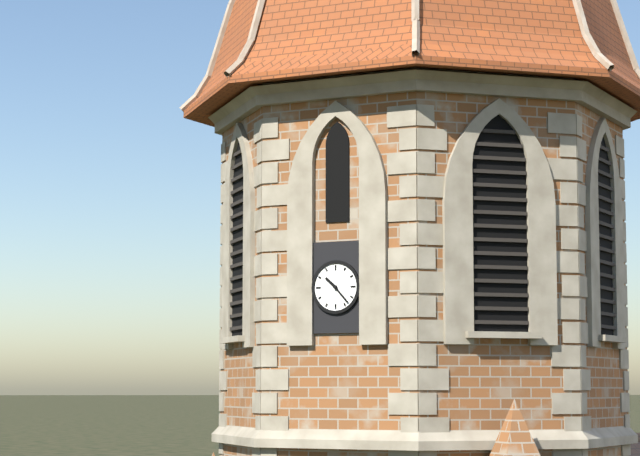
10:23
